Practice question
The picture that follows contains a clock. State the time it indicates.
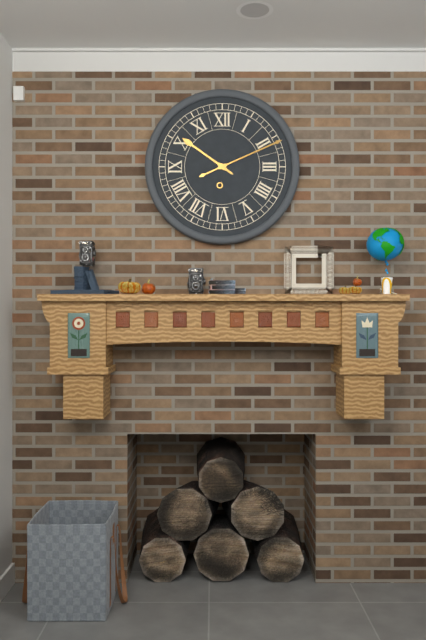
10:11
